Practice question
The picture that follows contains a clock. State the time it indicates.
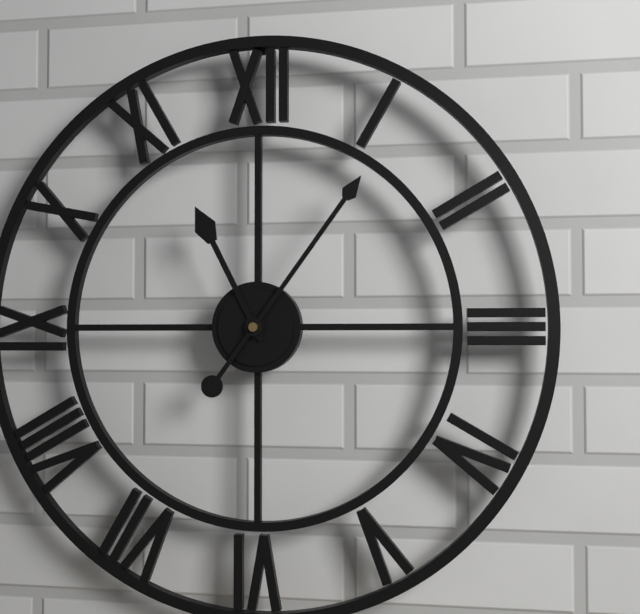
11:06
